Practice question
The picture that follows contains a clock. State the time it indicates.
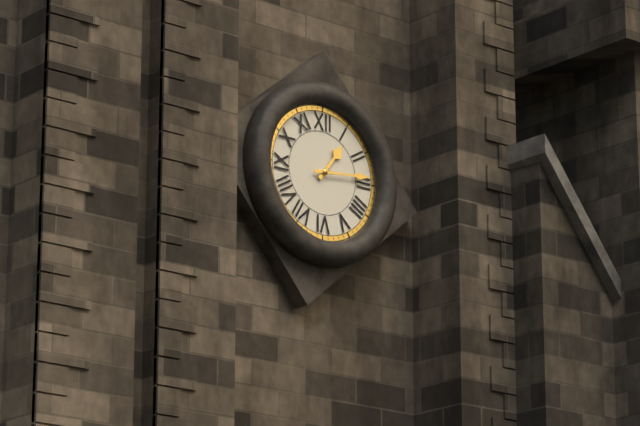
1:14
